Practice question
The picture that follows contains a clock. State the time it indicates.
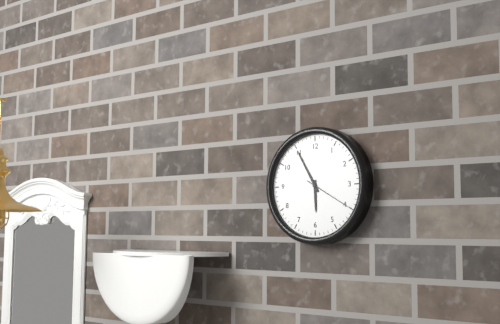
5:55
